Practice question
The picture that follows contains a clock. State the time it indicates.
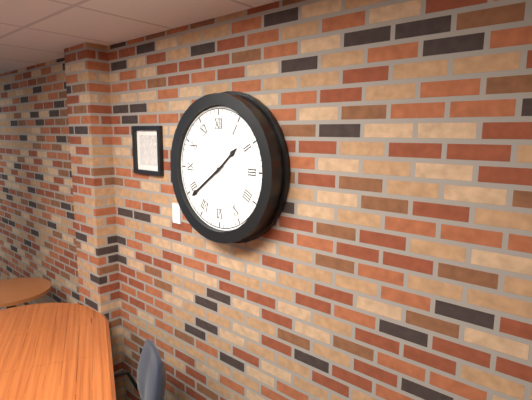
1:39
